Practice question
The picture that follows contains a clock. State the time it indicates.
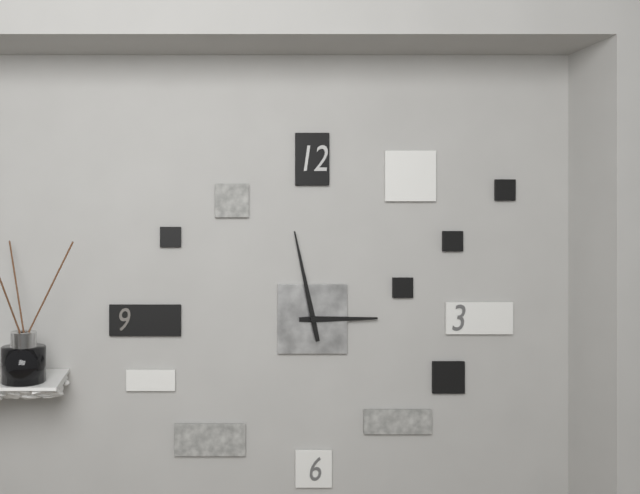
2:58
